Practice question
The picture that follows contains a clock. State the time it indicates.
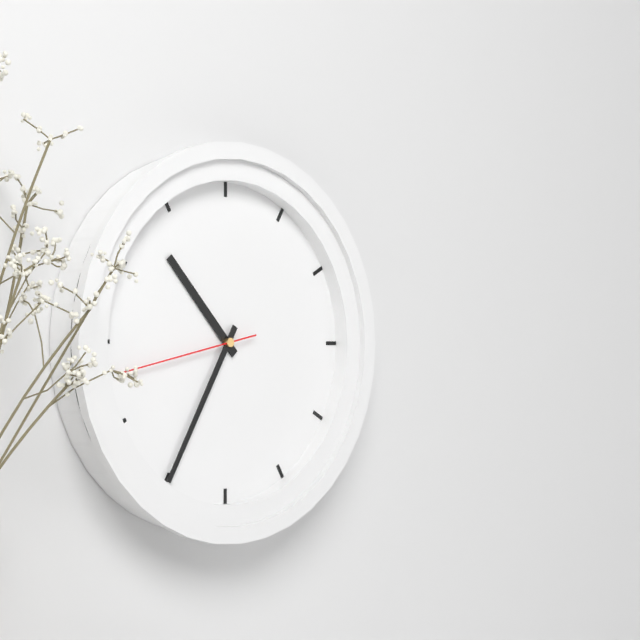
10:35:43
